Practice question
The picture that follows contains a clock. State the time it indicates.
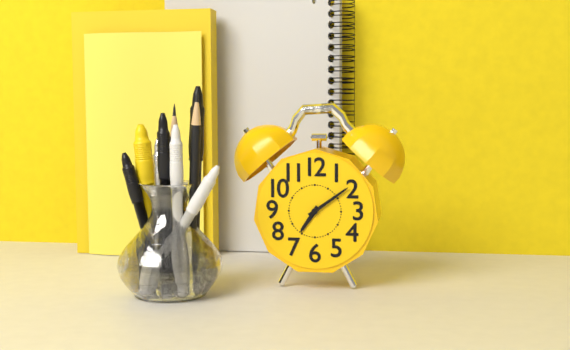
7:09
